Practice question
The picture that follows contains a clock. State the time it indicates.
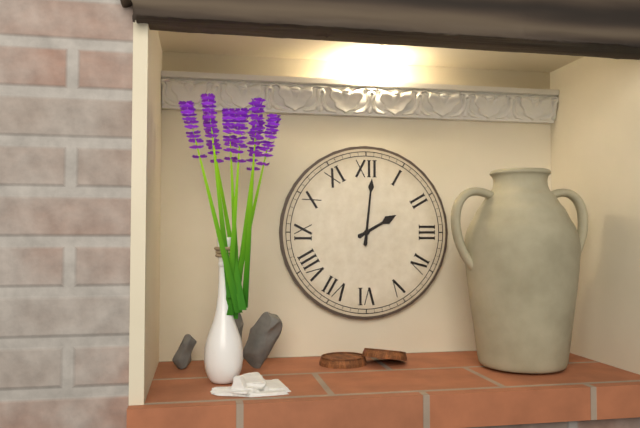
2:01
